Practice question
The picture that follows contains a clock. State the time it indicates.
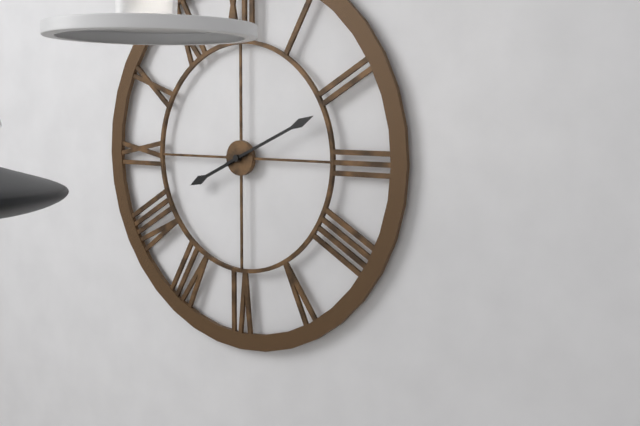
8:11
